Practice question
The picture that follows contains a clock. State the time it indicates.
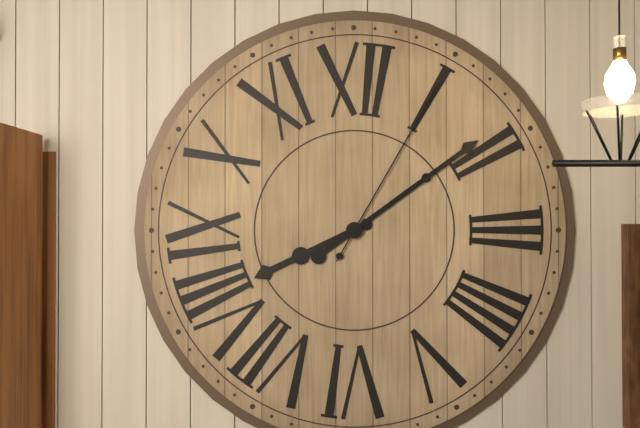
8:09:05
